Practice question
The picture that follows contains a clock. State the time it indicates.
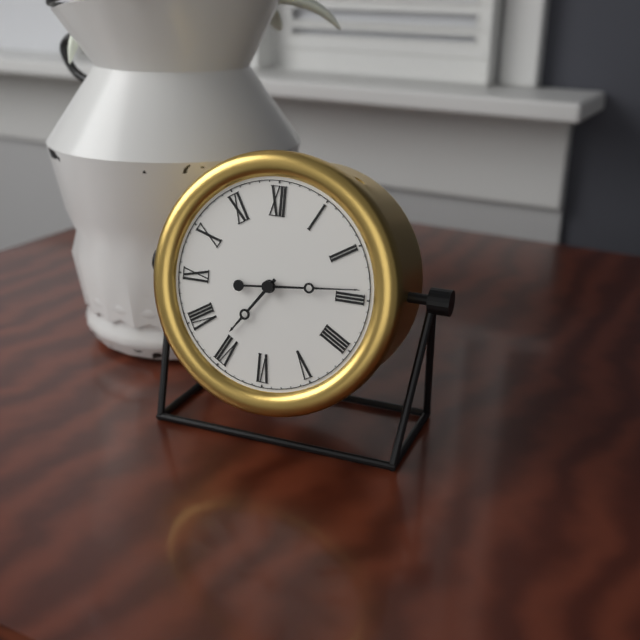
7:14
